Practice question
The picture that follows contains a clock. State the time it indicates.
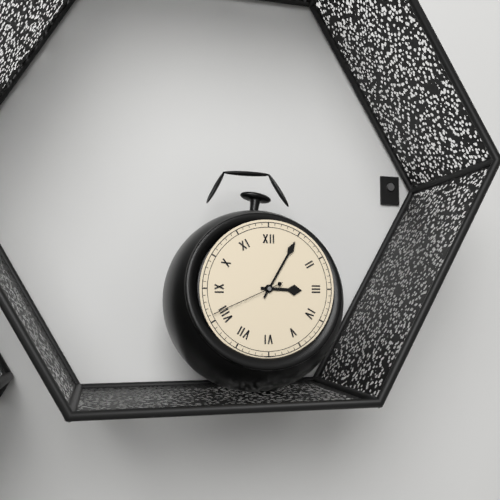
3:05:41
